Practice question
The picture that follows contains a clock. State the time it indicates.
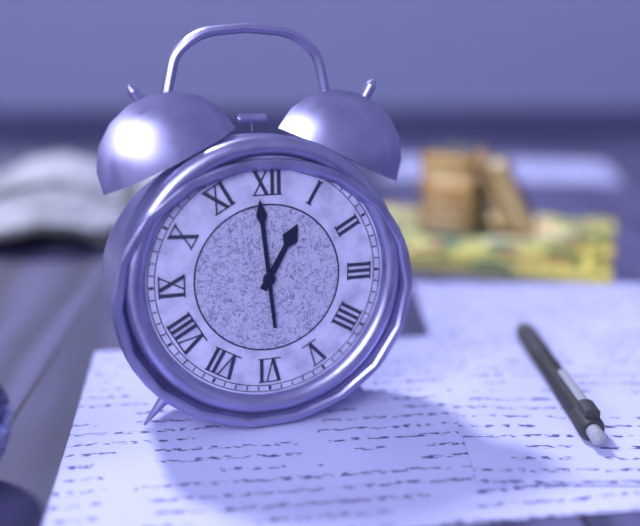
12:59
